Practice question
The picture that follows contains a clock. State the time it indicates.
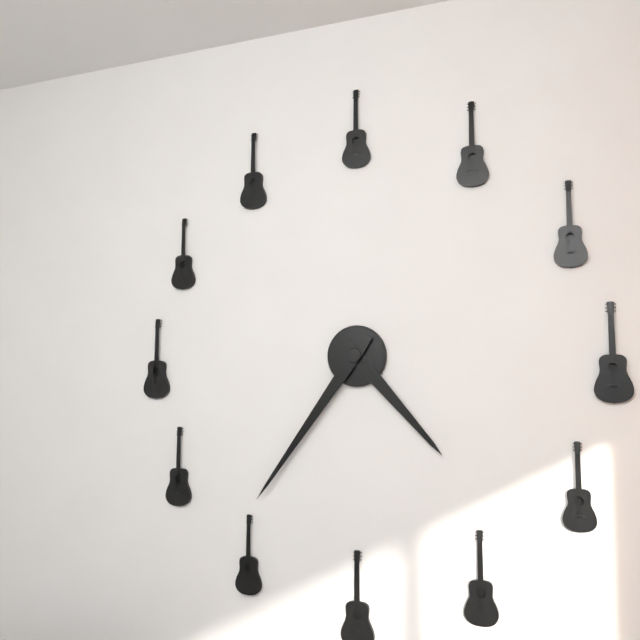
4:36
